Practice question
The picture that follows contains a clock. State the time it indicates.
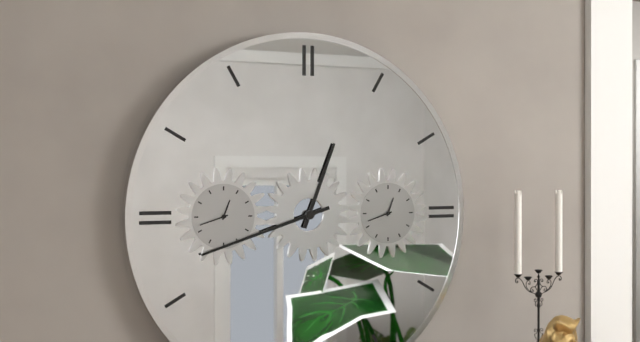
12:42
